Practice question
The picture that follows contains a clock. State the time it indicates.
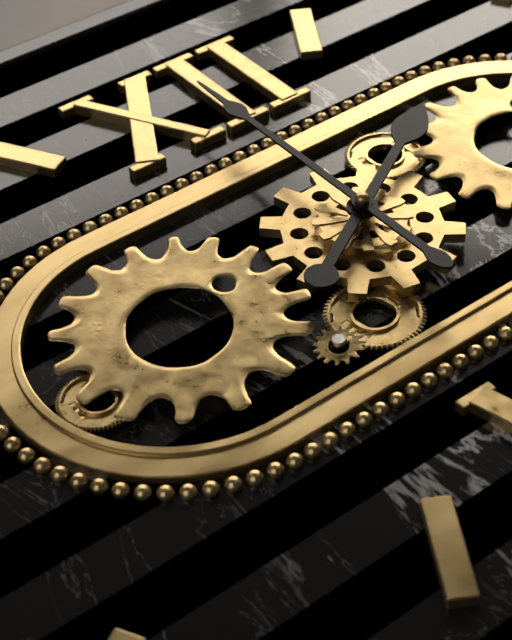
2:00
